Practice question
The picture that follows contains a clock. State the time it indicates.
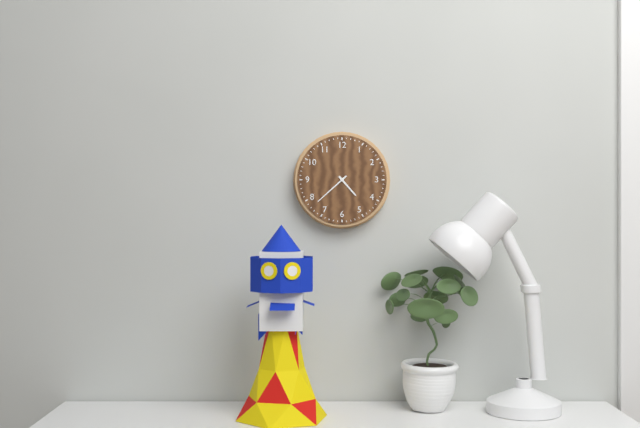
4:38
